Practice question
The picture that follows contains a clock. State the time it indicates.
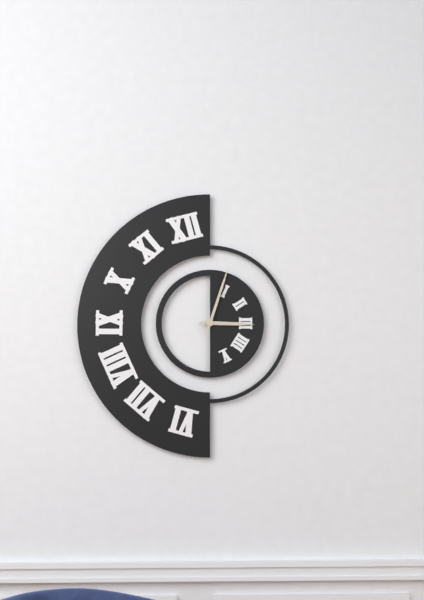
3:03
